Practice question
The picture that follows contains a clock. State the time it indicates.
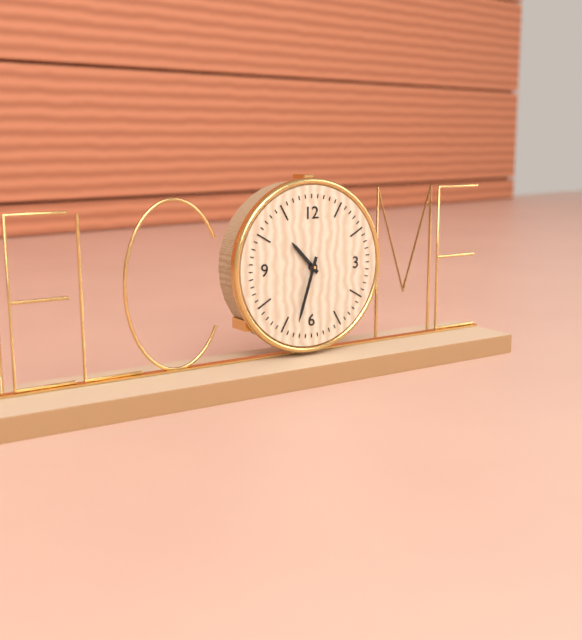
10:33
